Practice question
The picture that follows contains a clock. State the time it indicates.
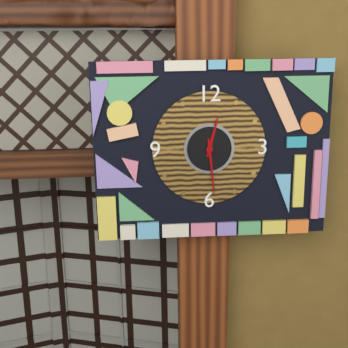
12:29
